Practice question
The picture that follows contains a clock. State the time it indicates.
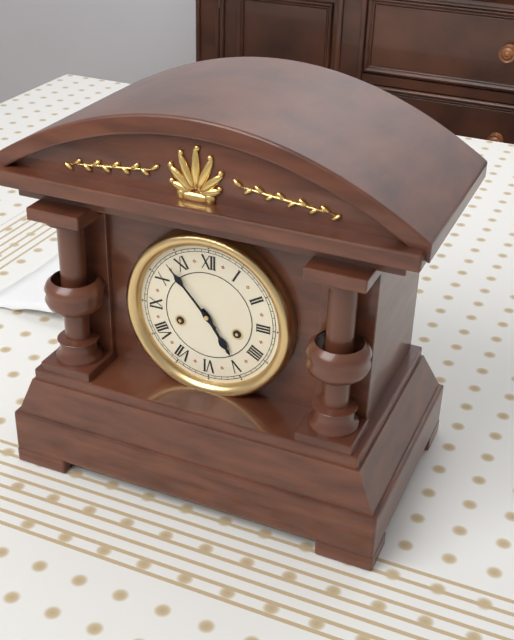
4:53
